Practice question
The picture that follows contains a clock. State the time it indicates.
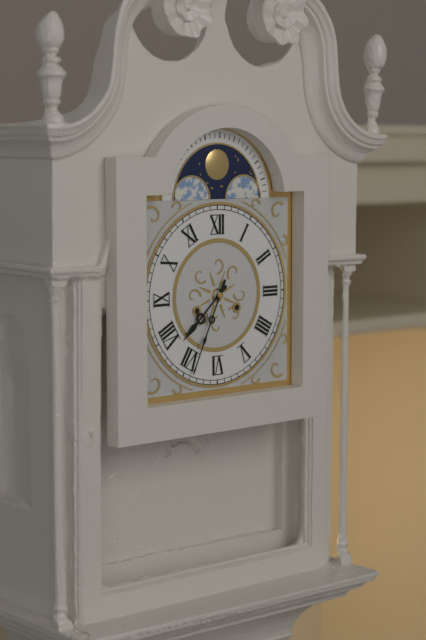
7:34
